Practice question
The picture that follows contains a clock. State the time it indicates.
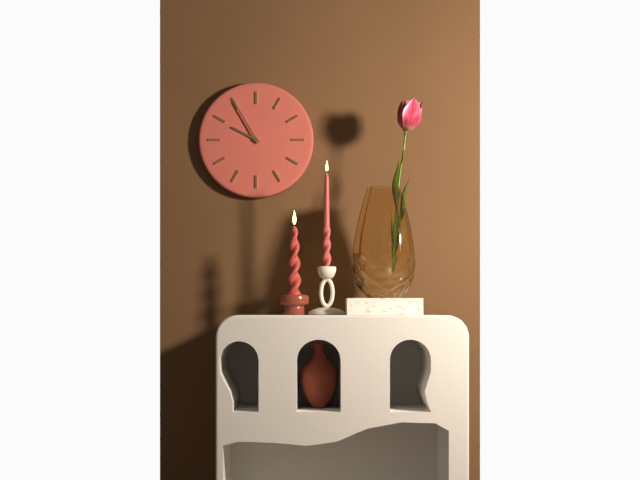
9:55
